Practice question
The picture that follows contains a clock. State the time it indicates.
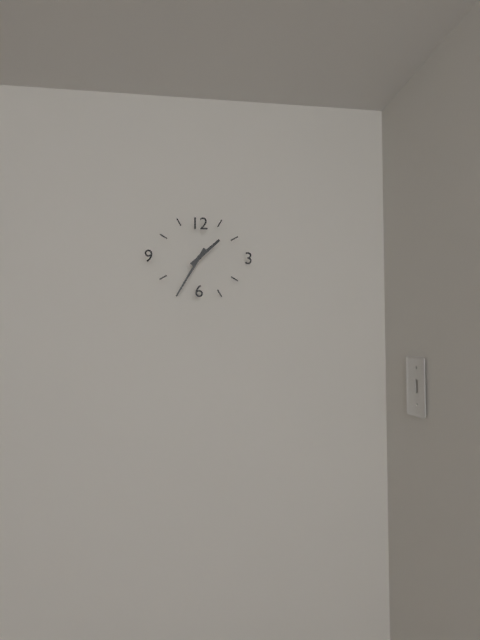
1:35
